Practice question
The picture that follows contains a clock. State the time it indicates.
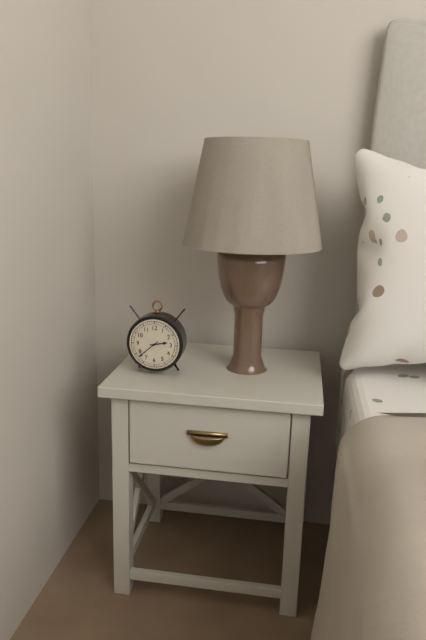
2:38
